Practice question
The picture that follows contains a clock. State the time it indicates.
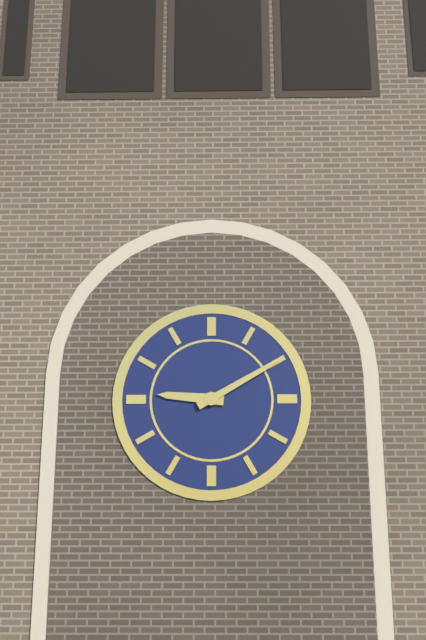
9:10
